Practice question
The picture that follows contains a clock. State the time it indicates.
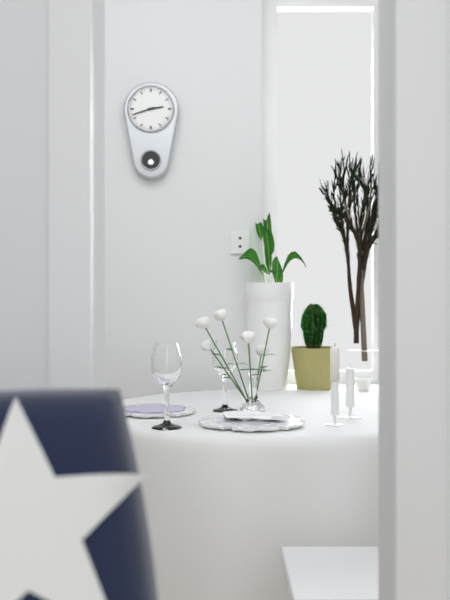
2:42
